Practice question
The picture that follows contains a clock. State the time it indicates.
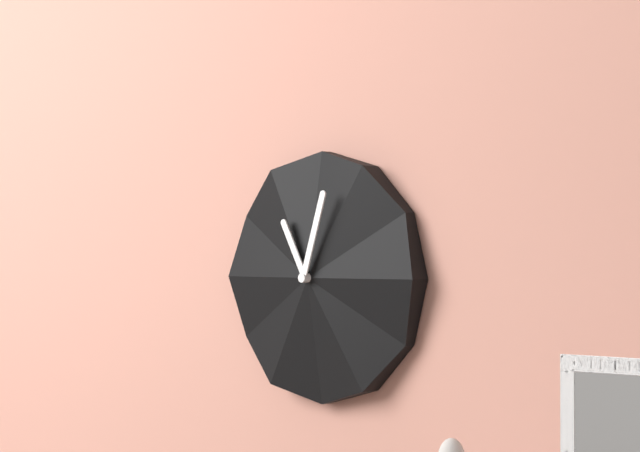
11:03
